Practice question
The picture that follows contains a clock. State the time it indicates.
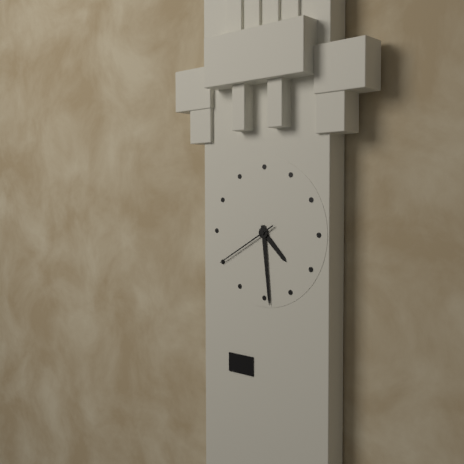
4:29:40
